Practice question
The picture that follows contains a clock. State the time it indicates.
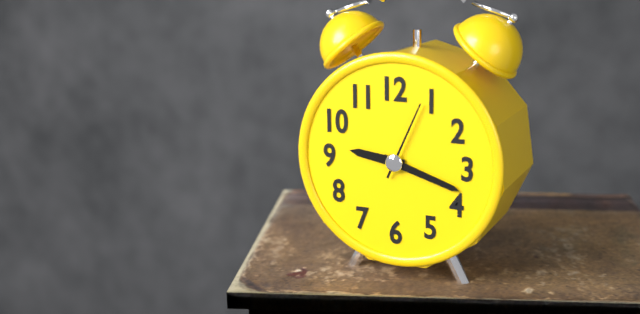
9:18:04
